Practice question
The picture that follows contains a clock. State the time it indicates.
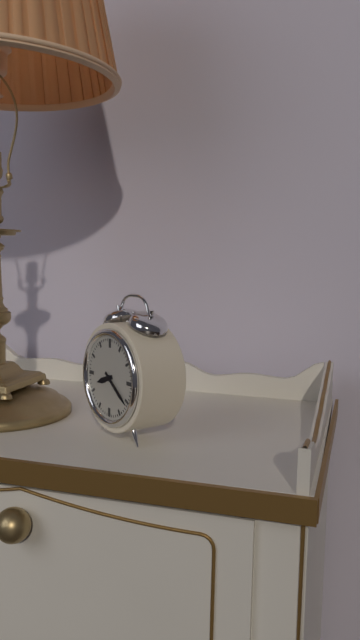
8:21
